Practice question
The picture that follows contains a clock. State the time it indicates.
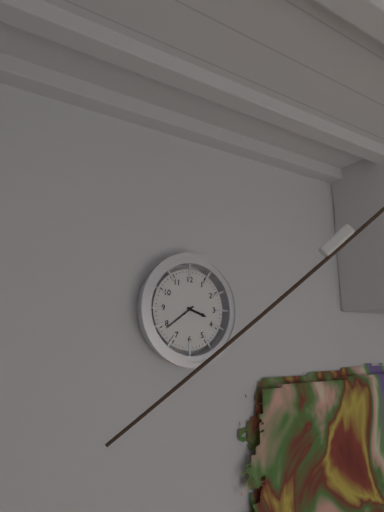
3:39
